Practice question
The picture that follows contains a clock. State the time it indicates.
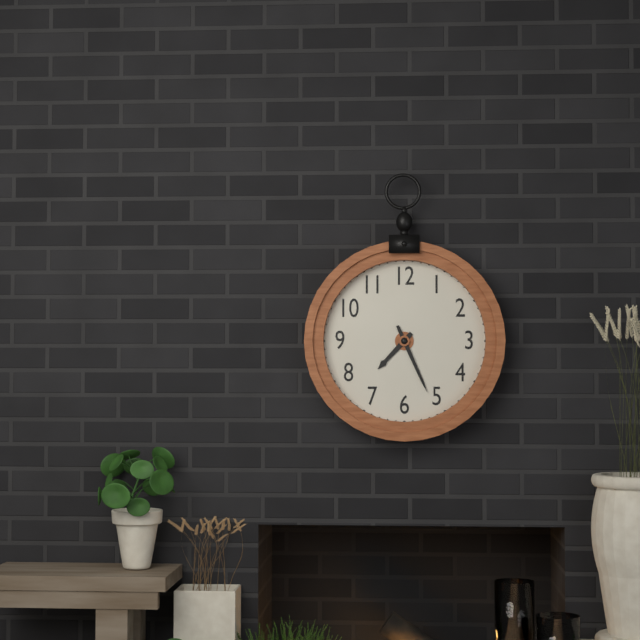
7:26
